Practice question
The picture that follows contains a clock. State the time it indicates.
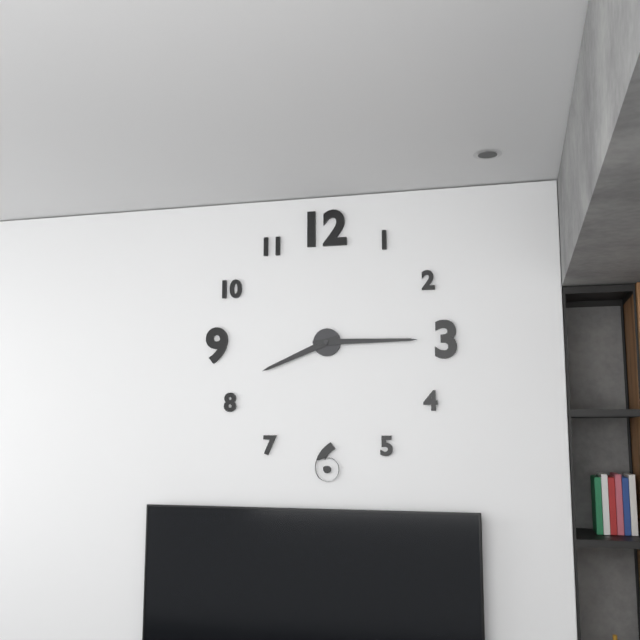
8:15
